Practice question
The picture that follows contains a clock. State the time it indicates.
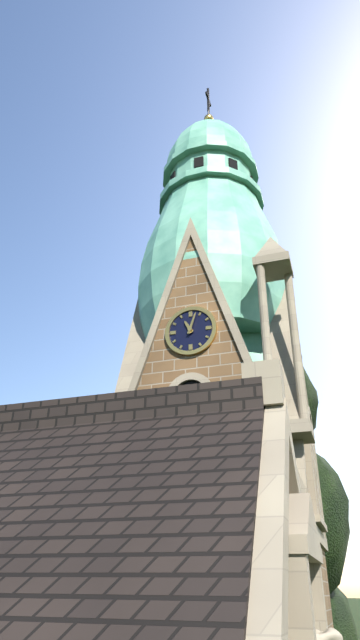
11:03
